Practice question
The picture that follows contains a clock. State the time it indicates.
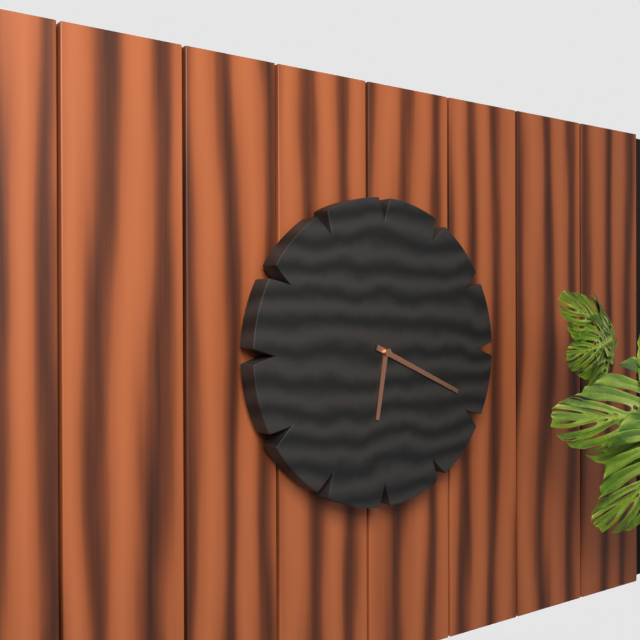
6:19
